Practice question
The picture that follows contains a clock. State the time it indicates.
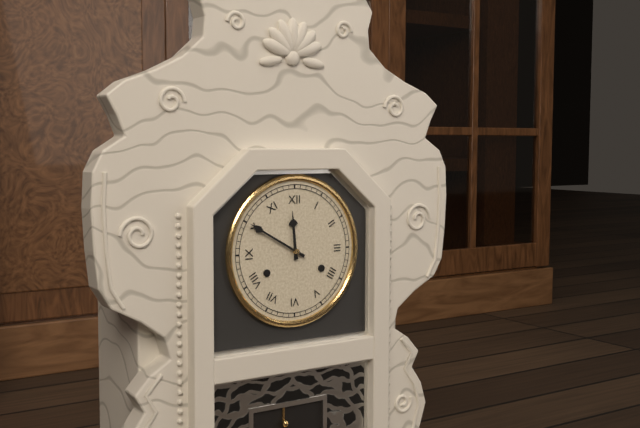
11:50
